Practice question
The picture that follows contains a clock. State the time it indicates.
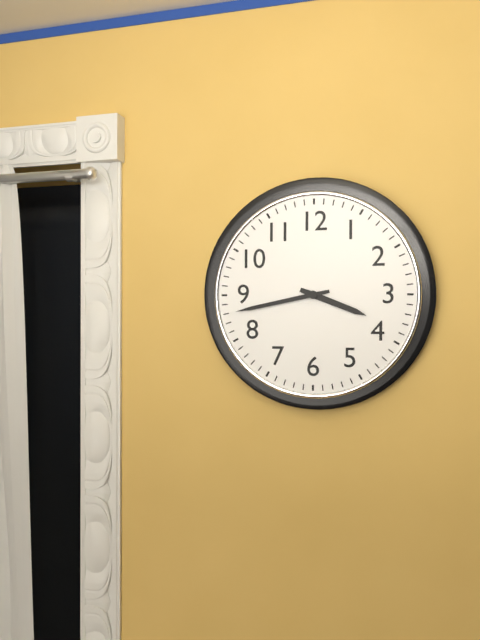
3:43
